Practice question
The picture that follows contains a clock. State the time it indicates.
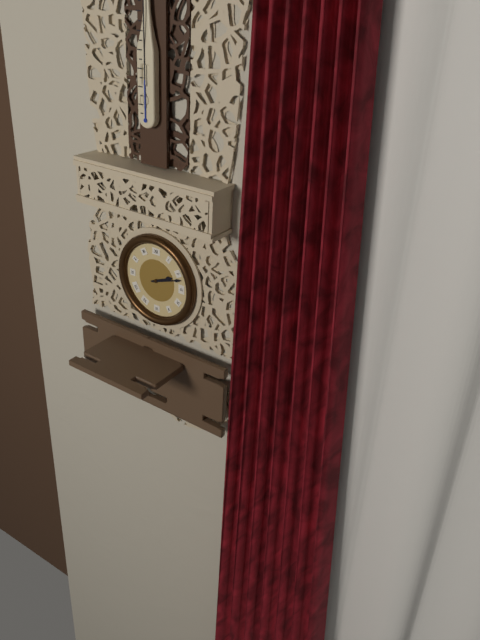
2:12
